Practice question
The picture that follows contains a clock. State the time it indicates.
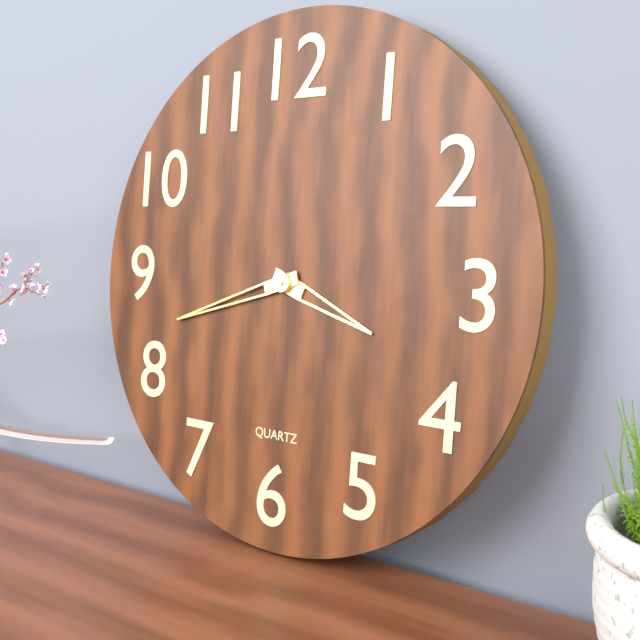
3:42
